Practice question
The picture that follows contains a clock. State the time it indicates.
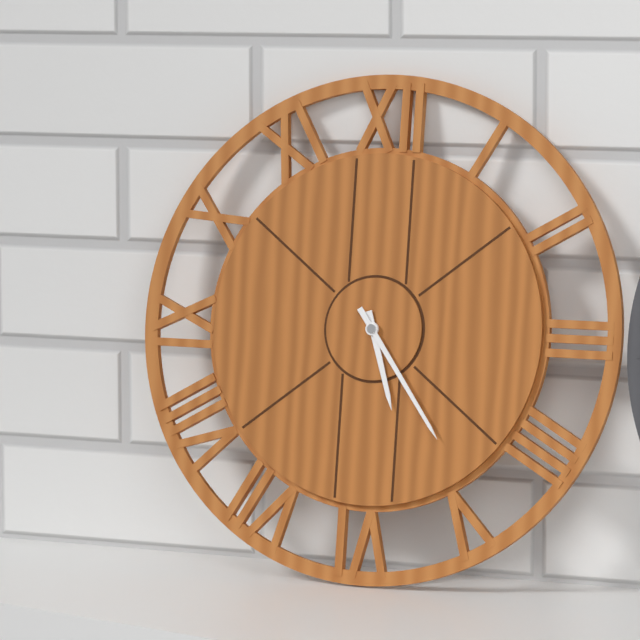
5:24
